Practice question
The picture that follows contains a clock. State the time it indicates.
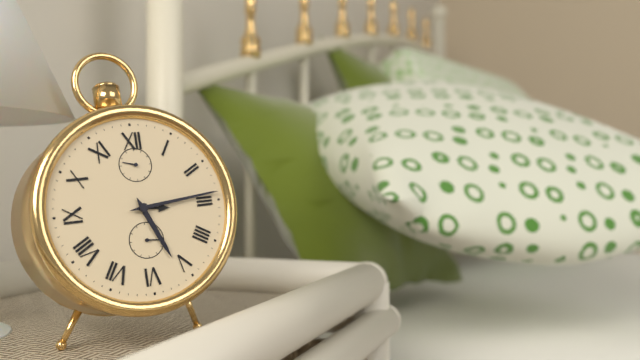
5:14
